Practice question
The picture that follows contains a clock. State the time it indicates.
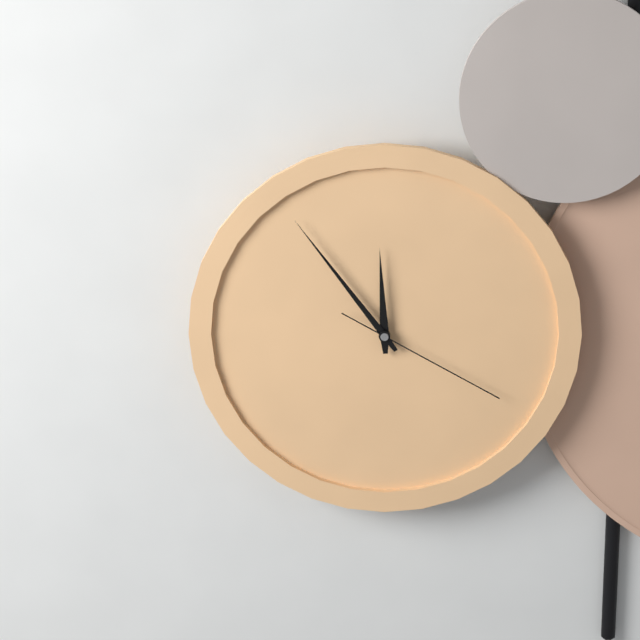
11:54:20
